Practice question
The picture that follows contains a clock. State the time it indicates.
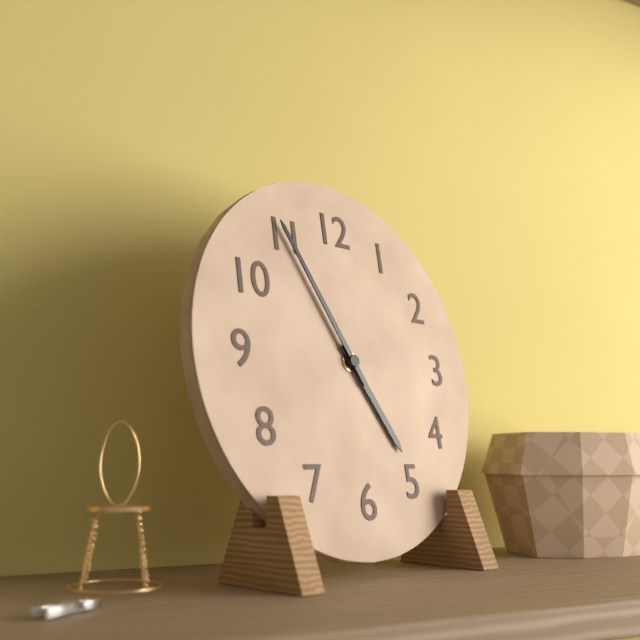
4:55
